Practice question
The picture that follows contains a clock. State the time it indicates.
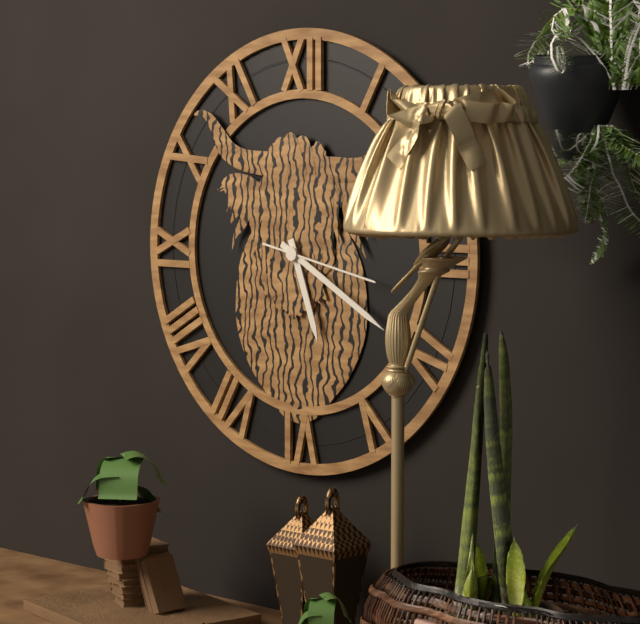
5:20:17
